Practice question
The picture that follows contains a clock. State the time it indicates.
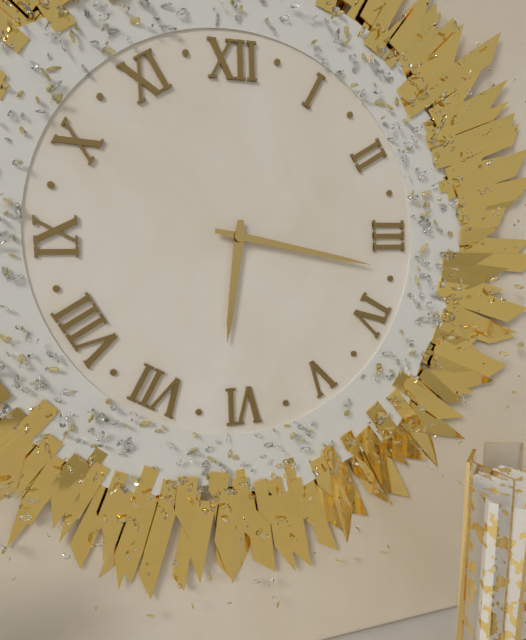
6:17
